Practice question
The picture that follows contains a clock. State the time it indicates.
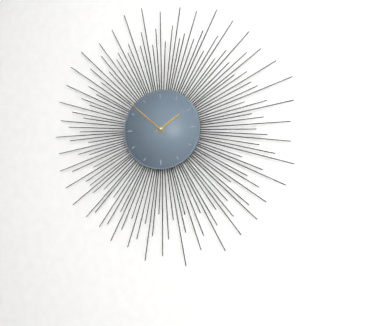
1:52
